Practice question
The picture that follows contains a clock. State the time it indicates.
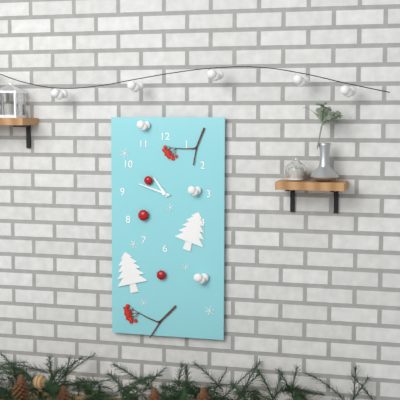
10:48
